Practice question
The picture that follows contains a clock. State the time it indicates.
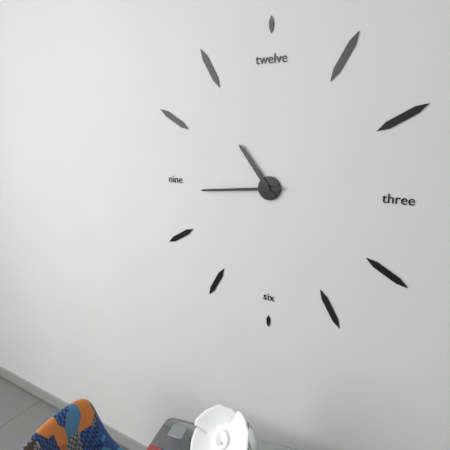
10:44
